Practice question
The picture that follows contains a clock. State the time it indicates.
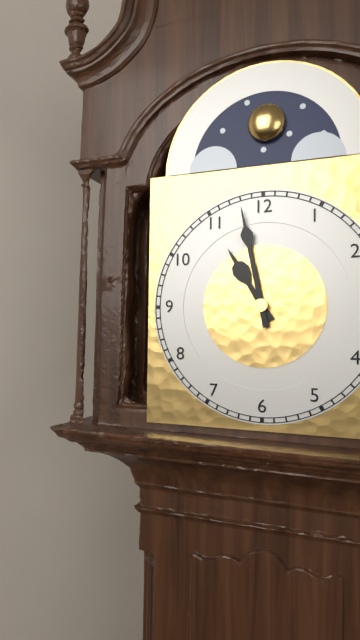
10:58
